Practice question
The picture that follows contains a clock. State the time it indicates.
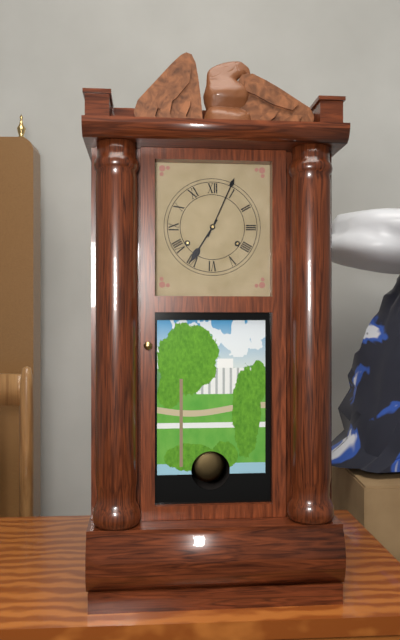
7:04
